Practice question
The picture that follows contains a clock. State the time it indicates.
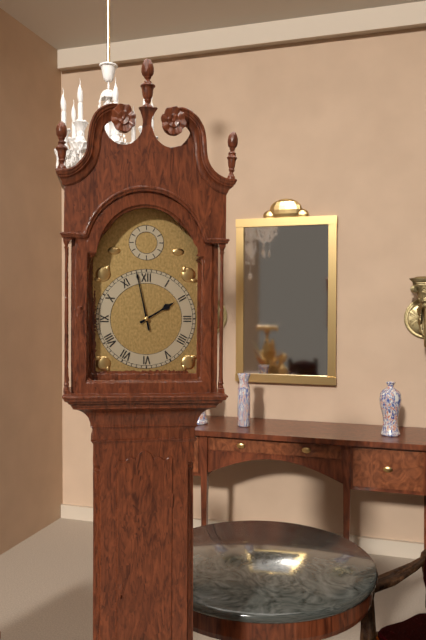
1:58
